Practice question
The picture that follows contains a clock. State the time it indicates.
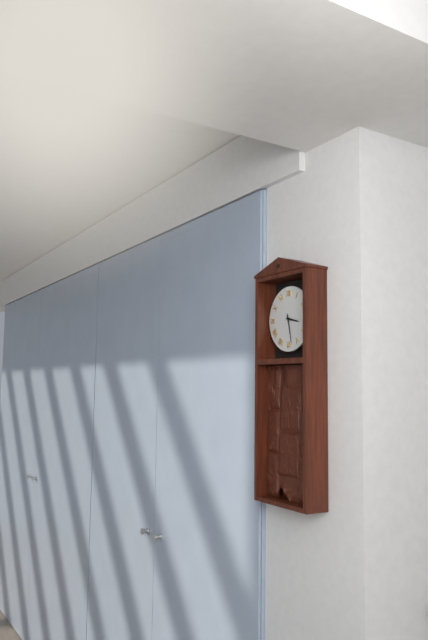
3:28
